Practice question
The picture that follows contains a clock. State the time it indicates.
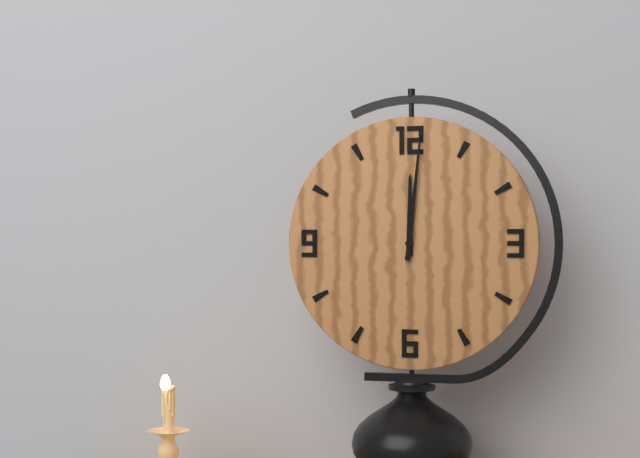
12:01
